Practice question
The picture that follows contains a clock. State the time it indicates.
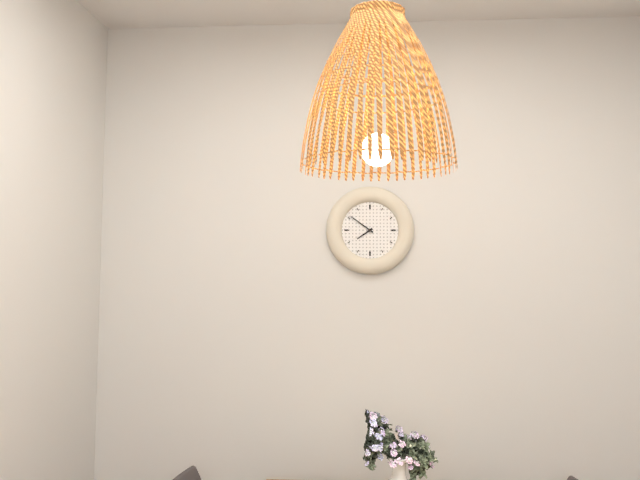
7:51
